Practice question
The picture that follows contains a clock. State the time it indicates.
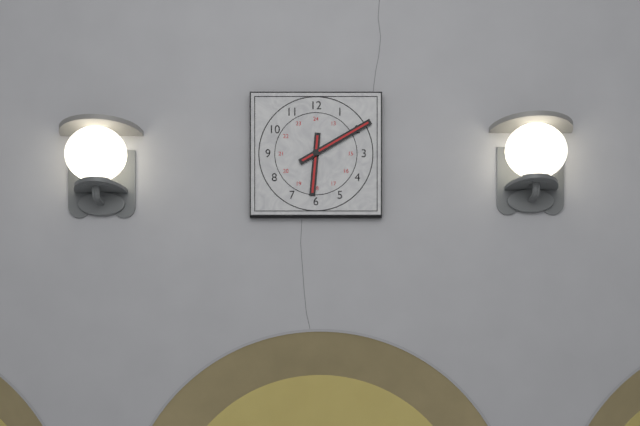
6:10
